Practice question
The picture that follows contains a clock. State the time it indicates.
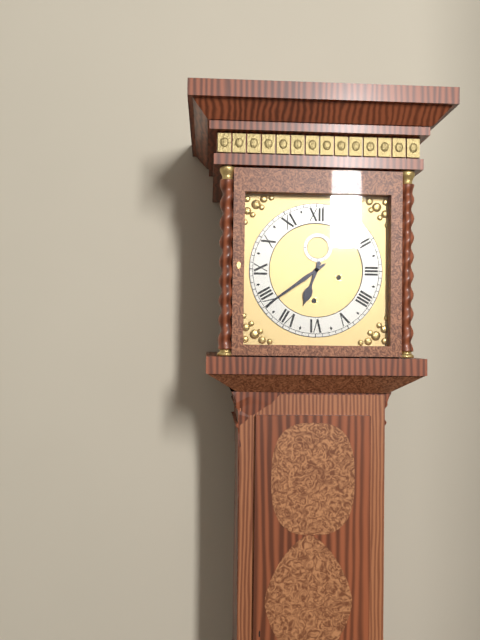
6:39
